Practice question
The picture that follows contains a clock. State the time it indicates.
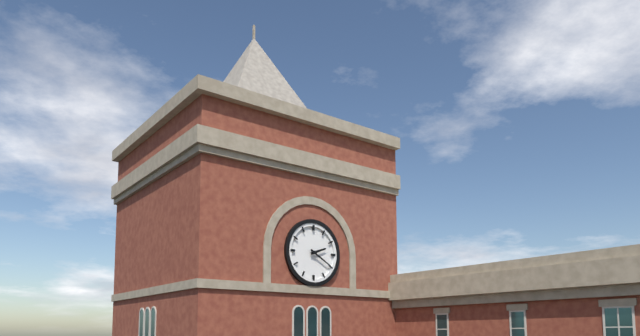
2:20
